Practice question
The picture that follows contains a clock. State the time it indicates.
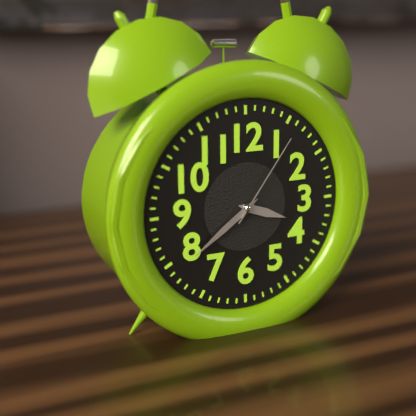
3:39:06
